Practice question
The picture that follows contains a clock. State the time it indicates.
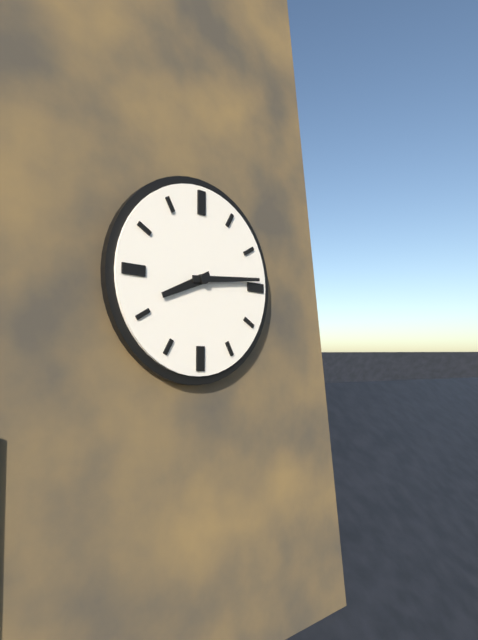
8:14
